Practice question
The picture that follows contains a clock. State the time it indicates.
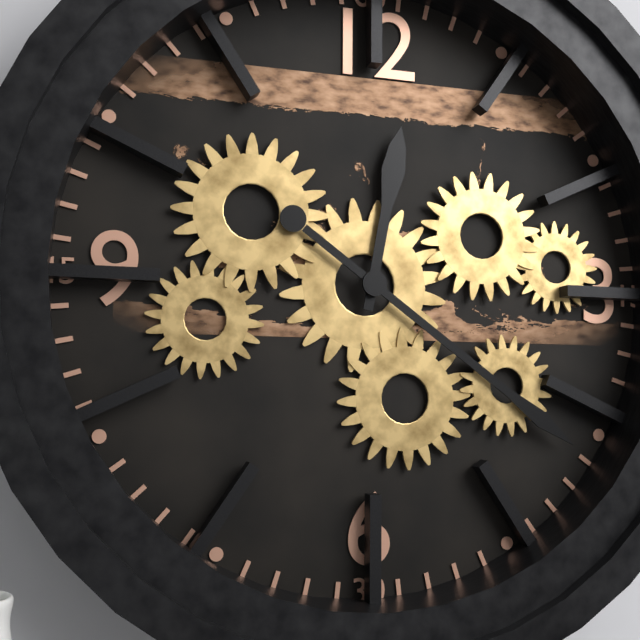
12:21
